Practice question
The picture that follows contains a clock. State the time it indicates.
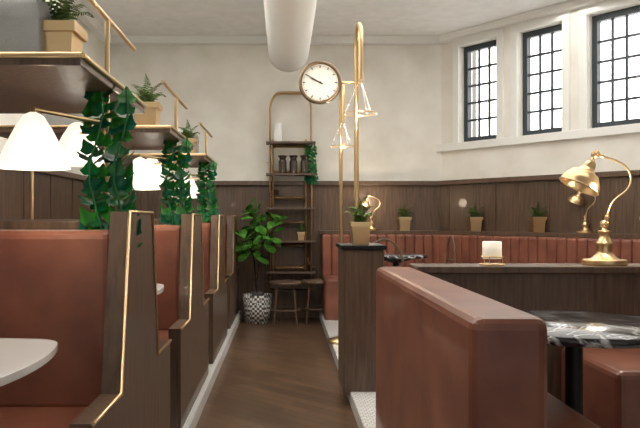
9:50
